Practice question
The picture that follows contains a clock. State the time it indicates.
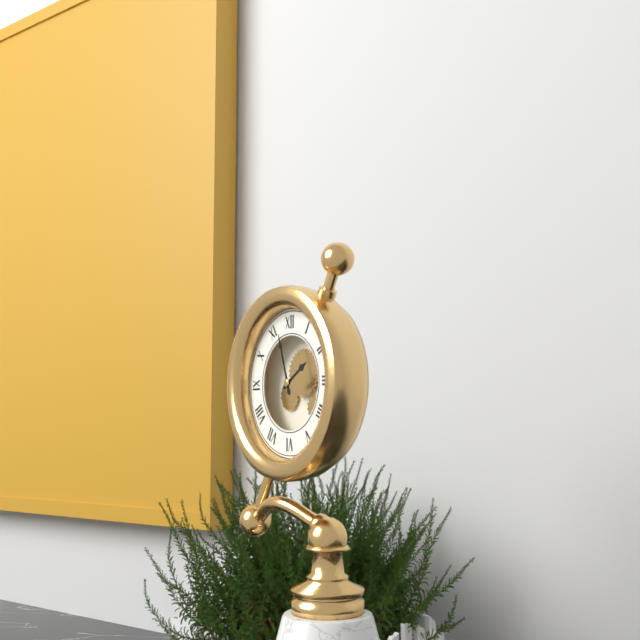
1:57
